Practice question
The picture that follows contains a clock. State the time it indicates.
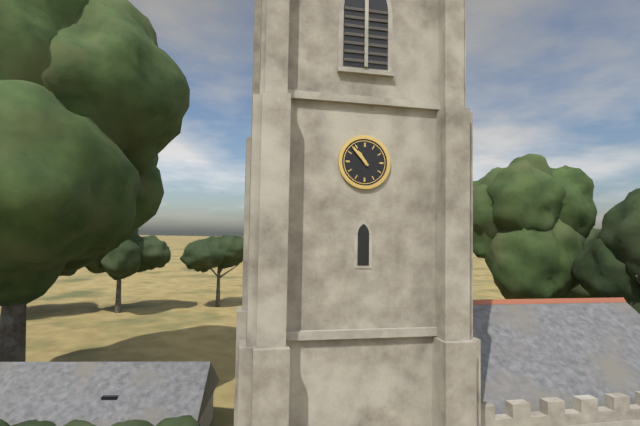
10:53
